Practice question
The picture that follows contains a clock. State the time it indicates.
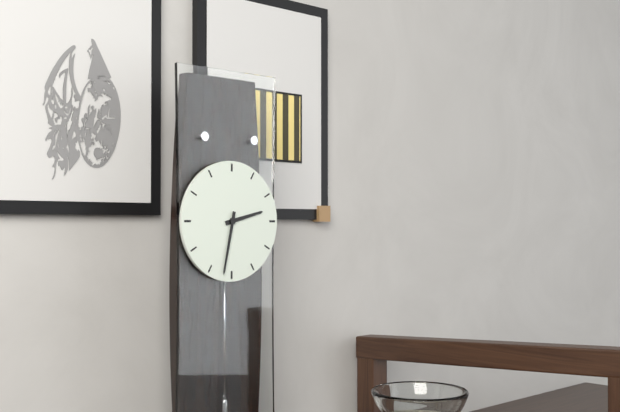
2:32
